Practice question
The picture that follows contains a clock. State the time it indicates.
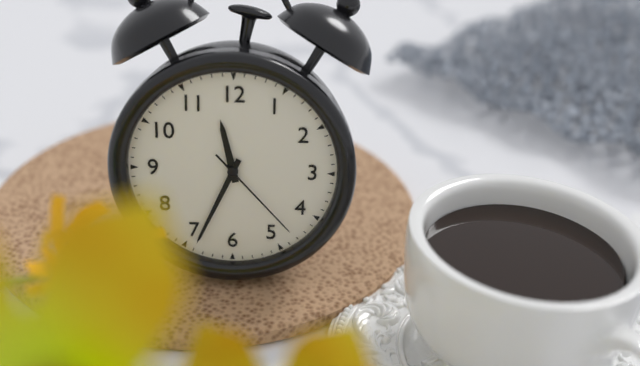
11:34:23
